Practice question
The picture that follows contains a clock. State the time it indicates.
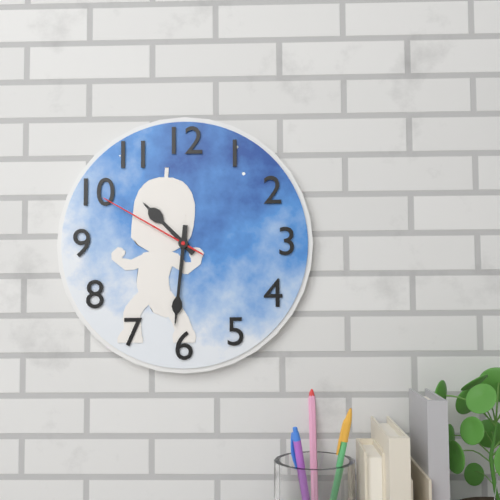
10:31:50
